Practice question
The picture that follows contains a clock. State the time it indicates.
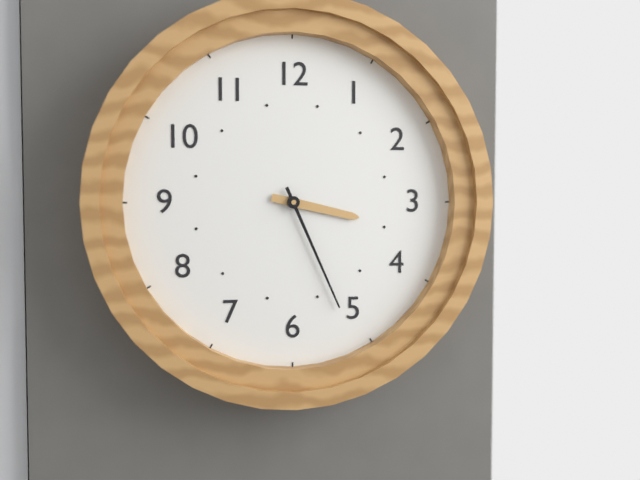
3:26
